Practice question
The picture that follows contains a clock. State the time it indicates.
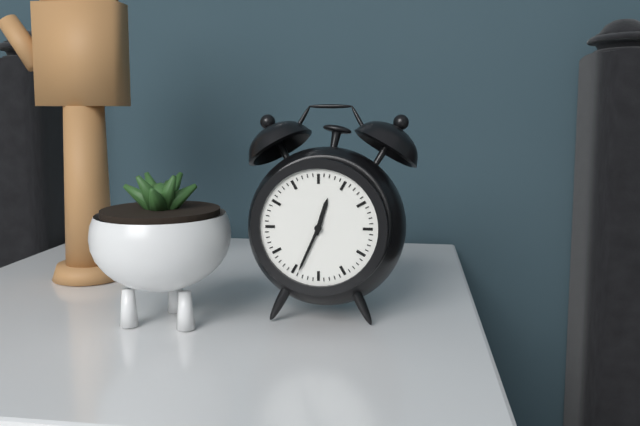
12:34
